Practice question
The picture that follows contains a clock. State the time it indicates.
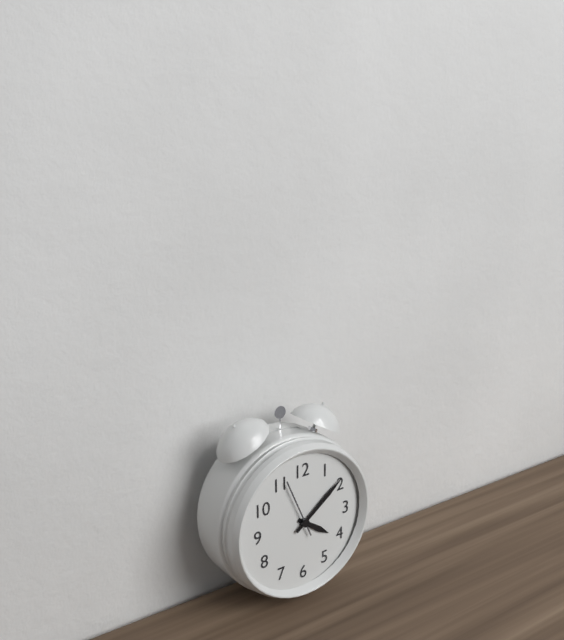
4:09:56
